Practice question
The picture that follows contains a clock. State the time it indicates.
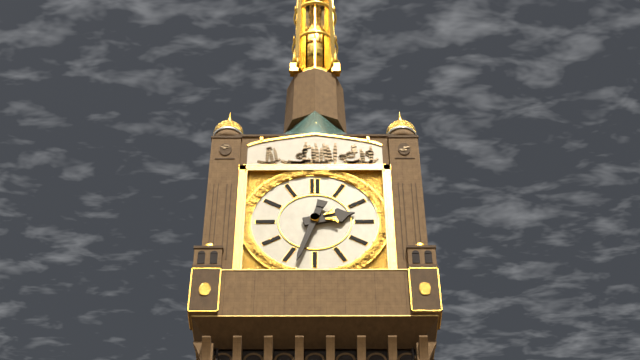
2:33
